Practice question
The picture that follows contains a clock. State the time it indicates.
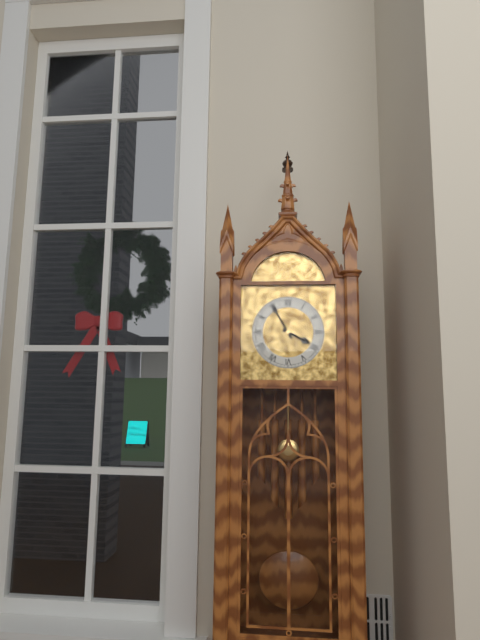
3:55
